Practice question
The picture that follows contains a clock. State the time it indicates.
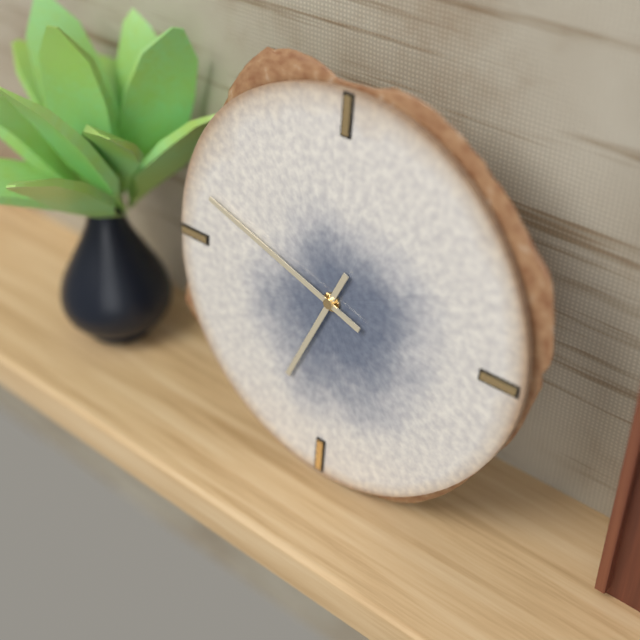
6:48
